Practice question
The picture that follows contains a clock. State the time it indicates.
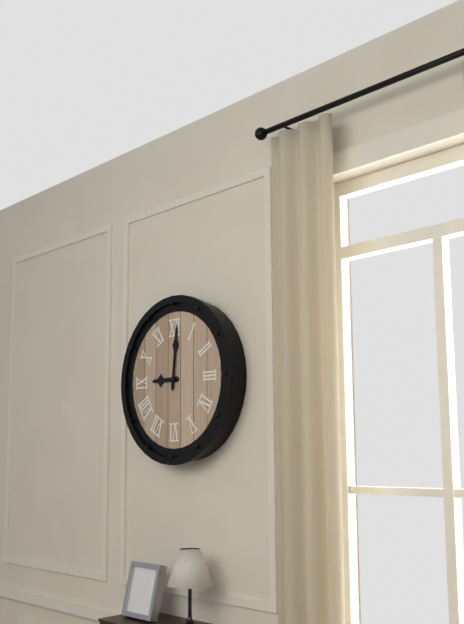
9:01
